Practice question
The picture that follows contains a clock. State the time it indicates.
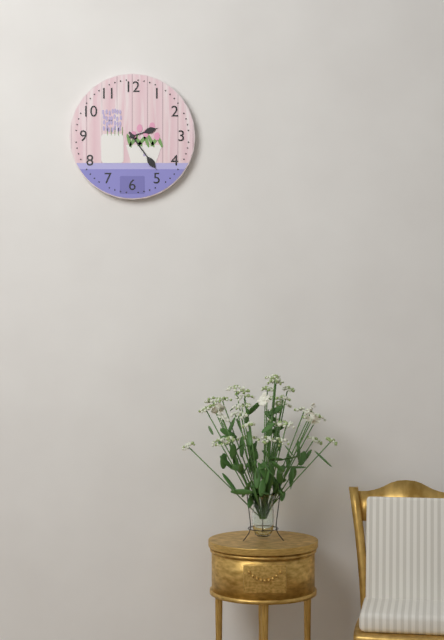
2:24
